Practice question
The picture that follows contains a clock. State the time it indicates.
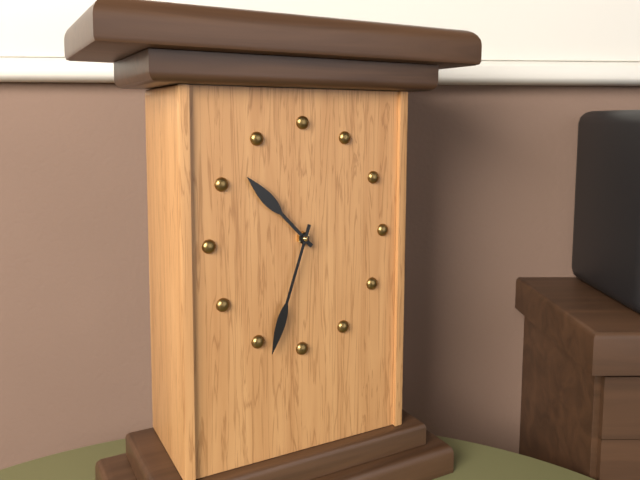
10:33
